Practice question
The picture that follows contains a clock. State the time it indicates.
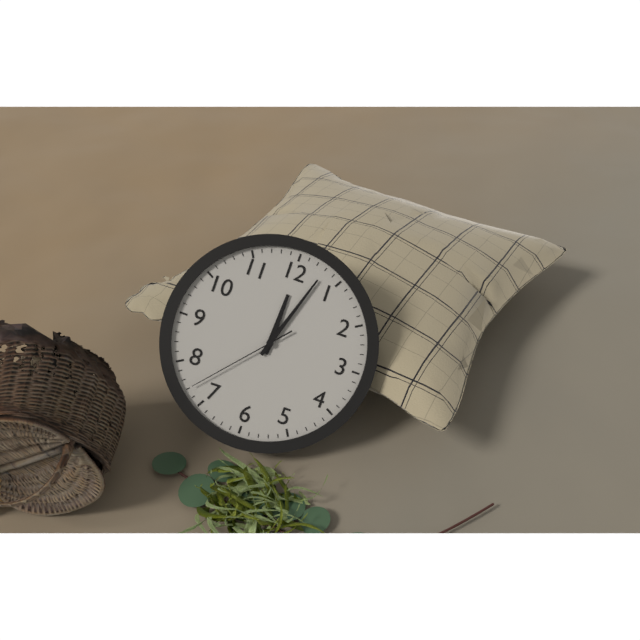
12:03:37
